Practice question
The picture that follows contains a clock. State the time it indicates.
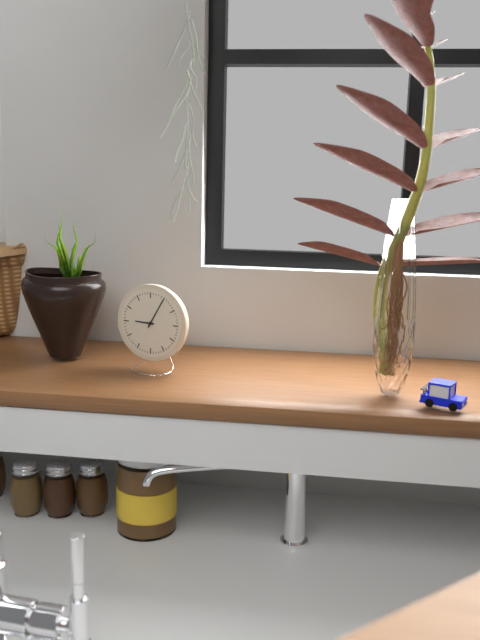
9:05
